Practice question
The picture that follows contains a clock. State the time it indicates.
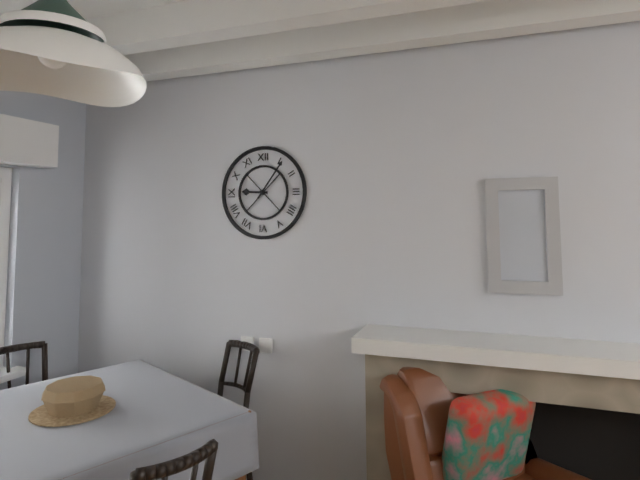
9:06
